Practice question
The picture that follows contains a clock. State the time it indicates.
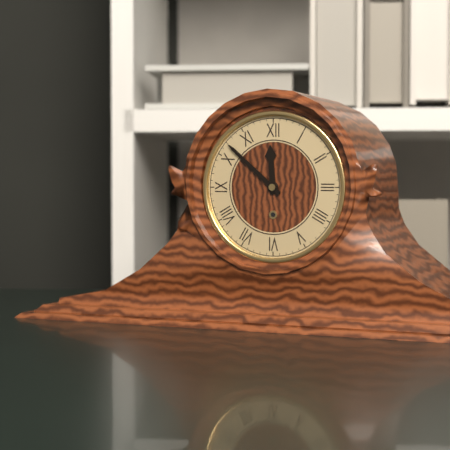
11:52
